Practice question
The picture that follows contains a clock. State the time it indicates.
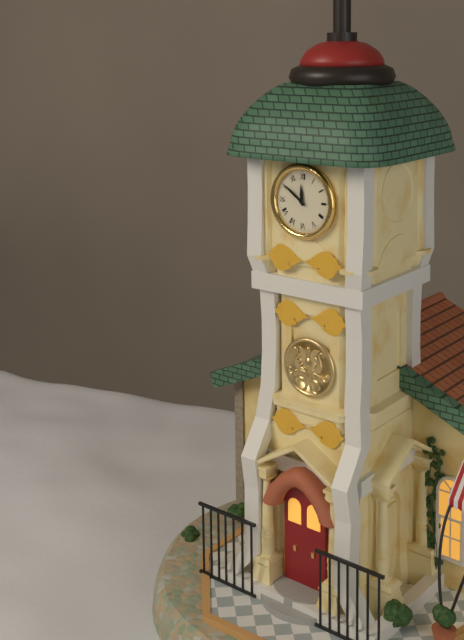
11:51
